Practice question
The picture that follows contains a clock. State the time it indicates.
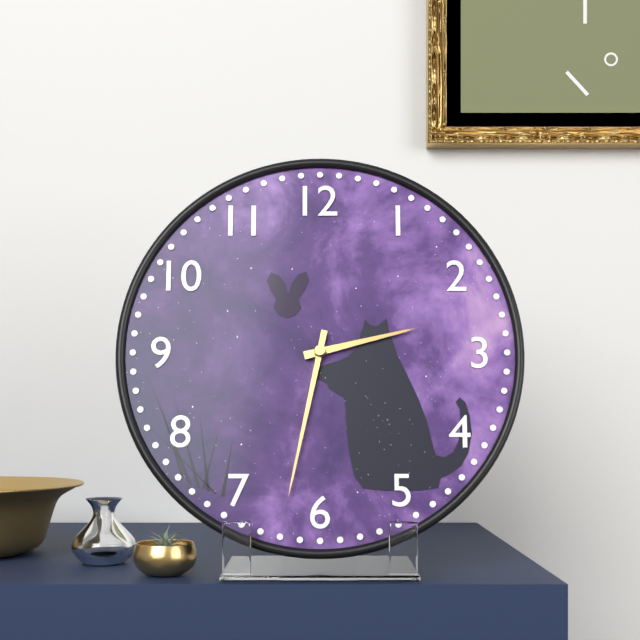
2:32
